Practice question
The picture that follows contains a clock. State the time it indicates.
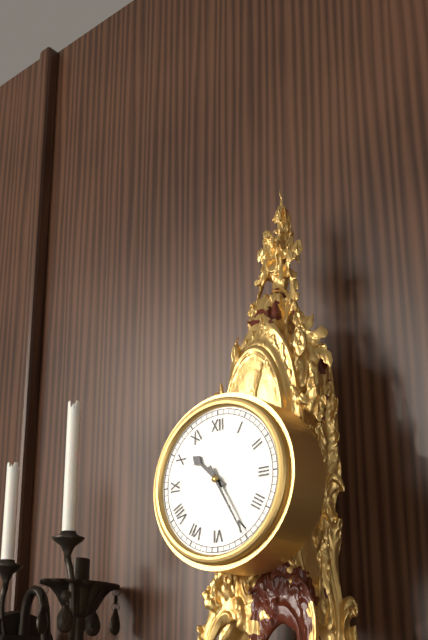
10:25
